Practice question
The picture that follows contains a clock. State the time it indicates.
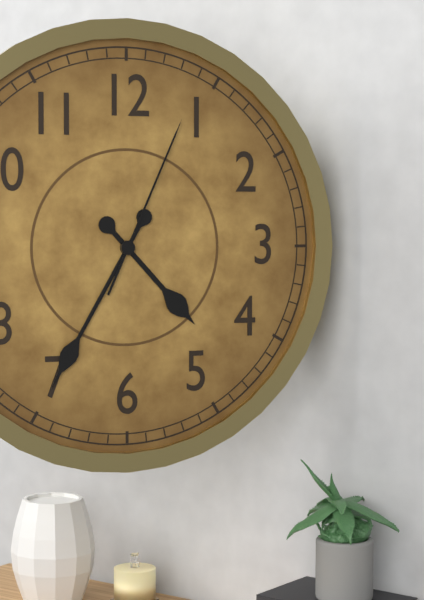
4:35:04
